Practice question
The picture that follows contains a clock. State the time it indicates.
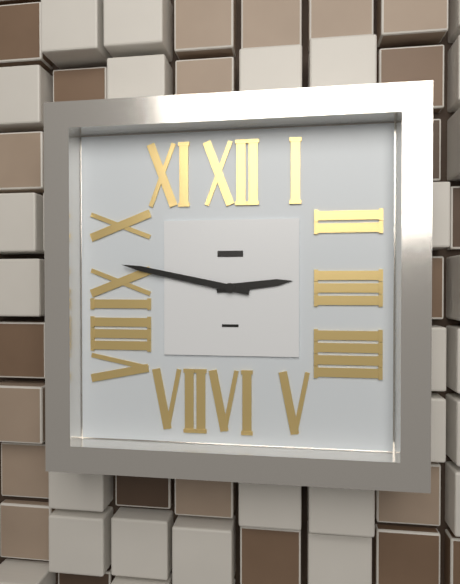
2:47
